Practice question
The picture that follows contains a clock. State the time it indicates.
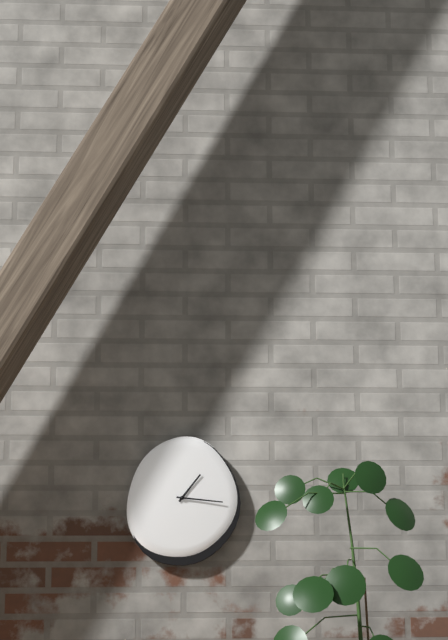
1:16
